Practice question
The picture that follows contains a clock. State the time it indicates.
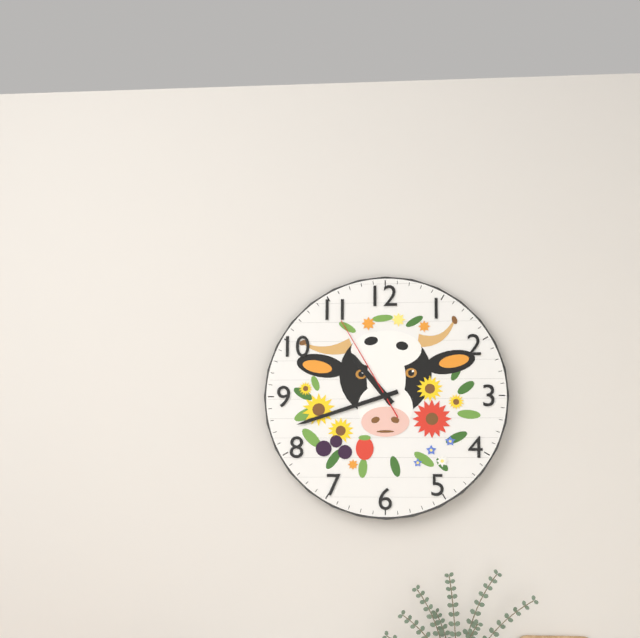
10:42:55
